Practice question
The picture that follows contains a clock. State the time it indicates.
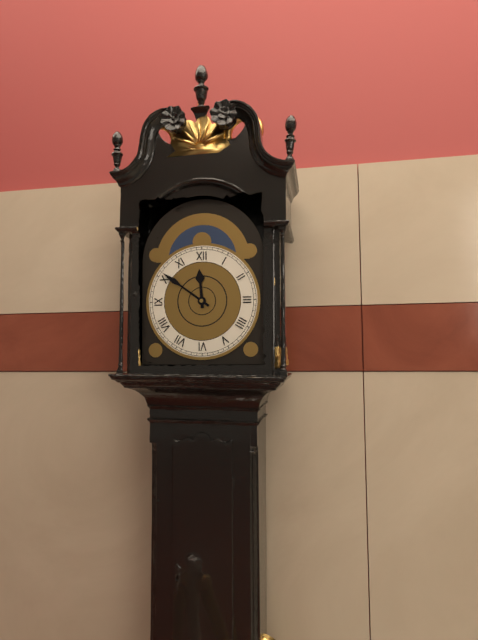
11:51
